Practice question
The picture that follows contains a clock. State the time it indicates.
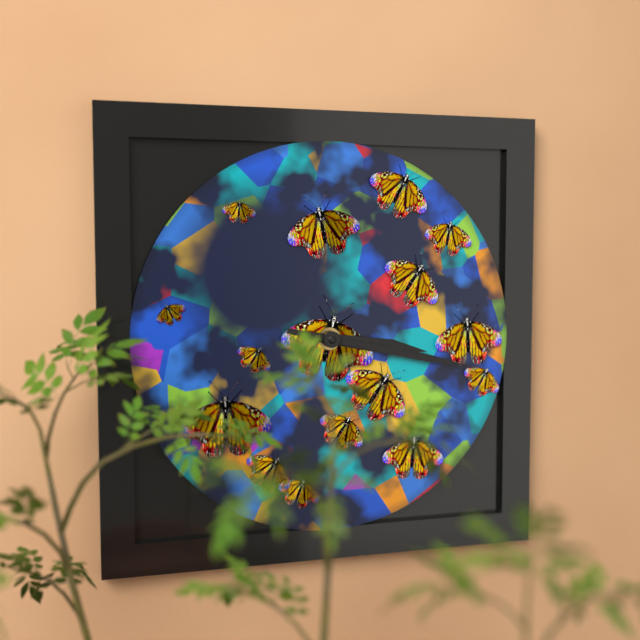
3:17
